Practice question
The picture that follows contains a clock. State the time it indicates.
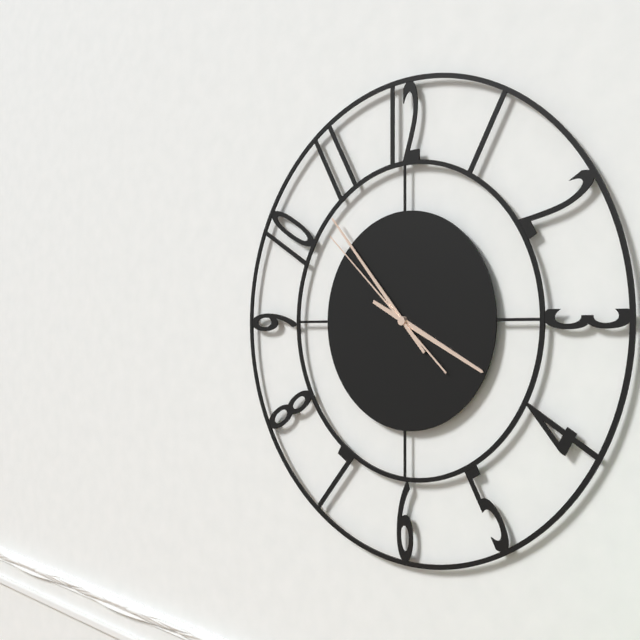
3:53:52
